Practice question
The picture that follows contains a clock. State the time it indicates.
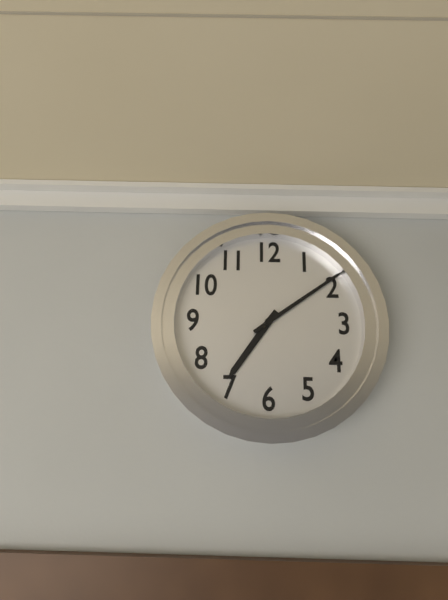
7:09
